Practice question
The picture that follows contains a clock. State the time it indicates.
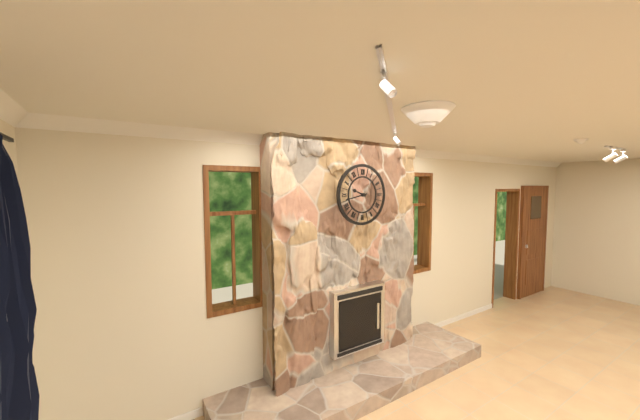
9:43
